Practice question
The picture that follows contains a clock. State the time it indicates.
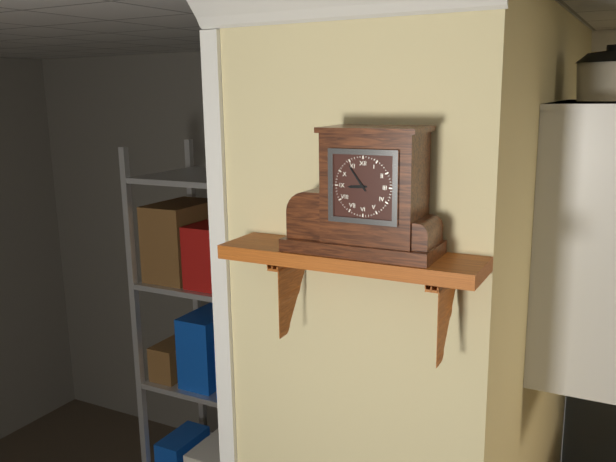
8:54
